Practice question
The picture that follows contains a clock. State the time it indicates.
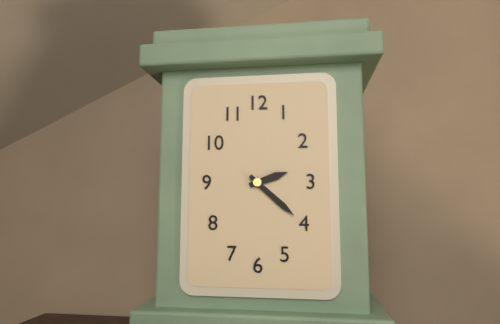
2:22
